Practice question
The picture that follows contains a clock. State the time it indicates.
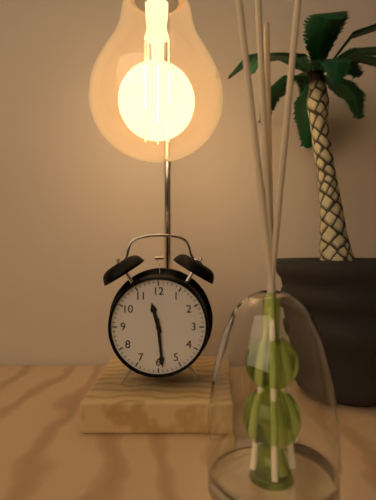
11:29
